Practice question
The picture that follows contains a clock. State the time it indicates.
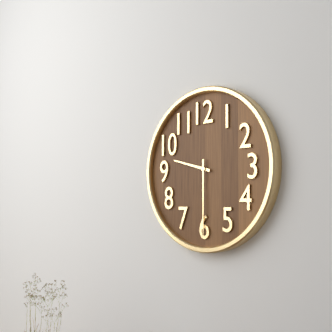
9:30
